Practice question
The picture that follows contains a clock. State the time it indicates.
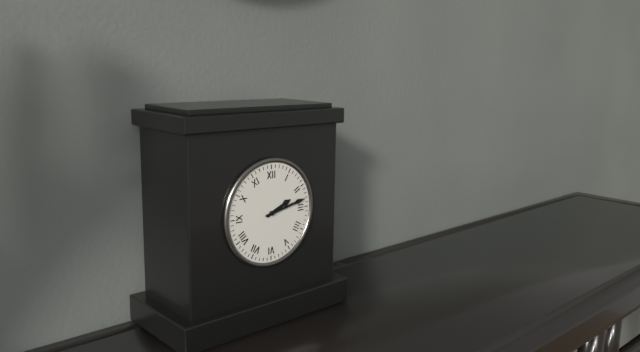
2:13
